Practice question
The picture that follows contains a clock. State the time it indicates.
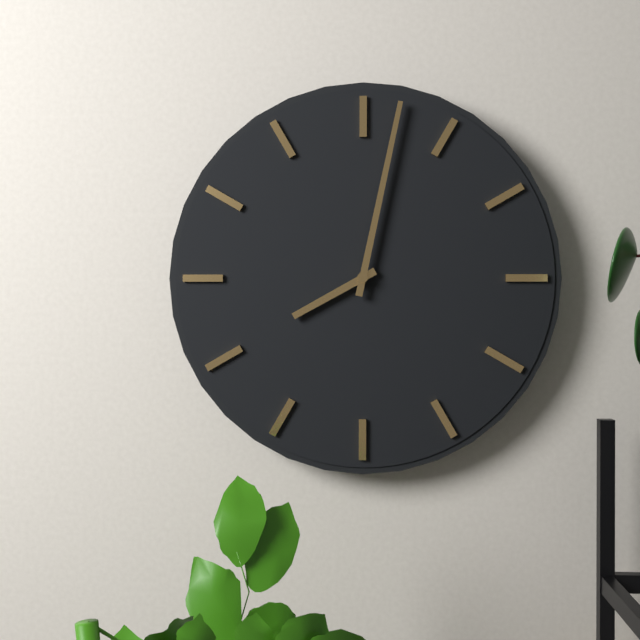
8:02
